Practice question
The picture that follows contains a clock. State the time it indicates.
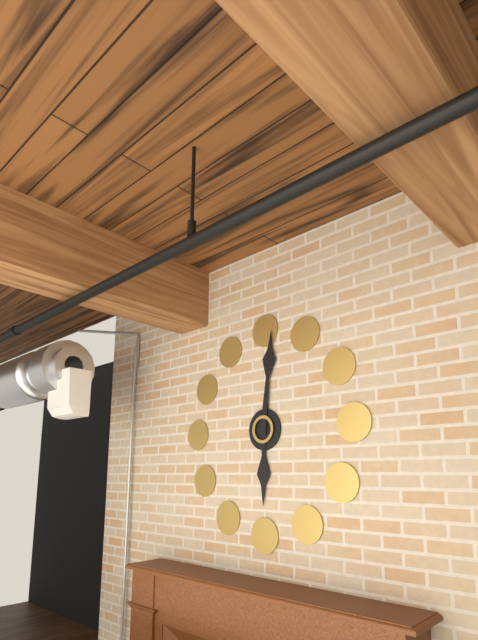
6:01
